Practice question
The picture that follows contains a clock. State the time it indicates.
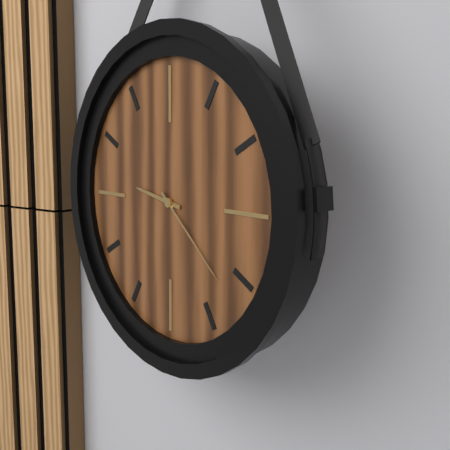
9:22
